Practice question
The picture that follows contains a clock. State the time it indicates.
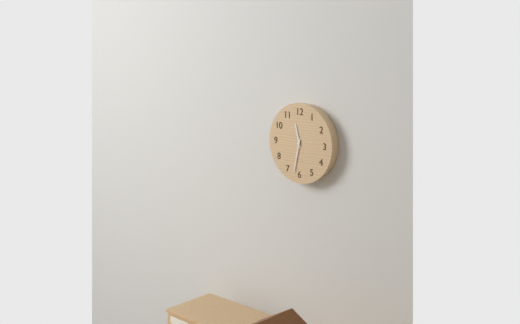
11:32
